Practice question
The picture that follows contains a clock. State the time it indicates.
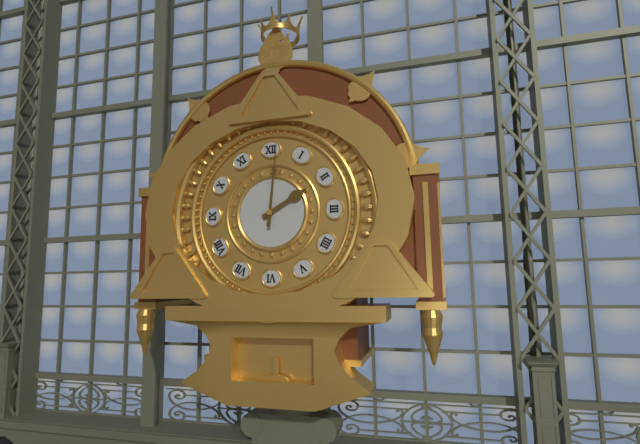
2:01
